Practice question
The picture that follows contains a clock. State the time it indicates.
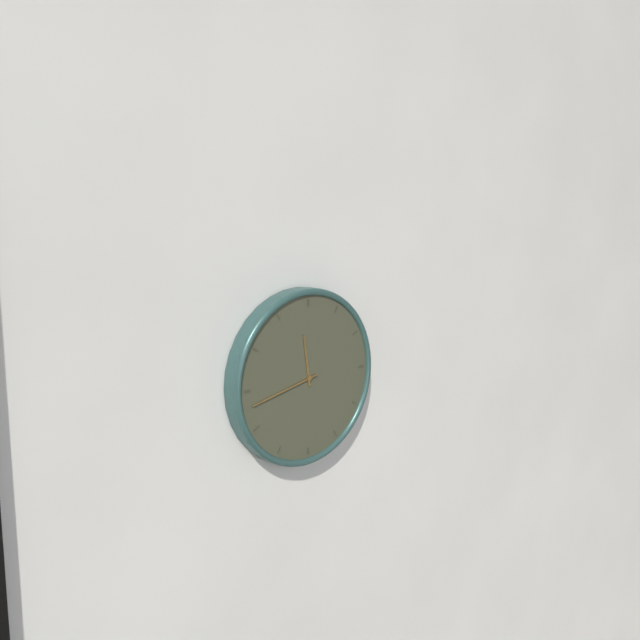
11:43
